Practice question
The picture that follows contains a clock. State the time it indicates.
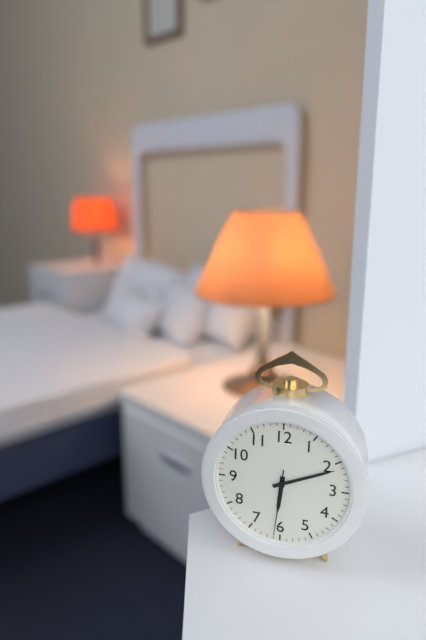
6:11:31
